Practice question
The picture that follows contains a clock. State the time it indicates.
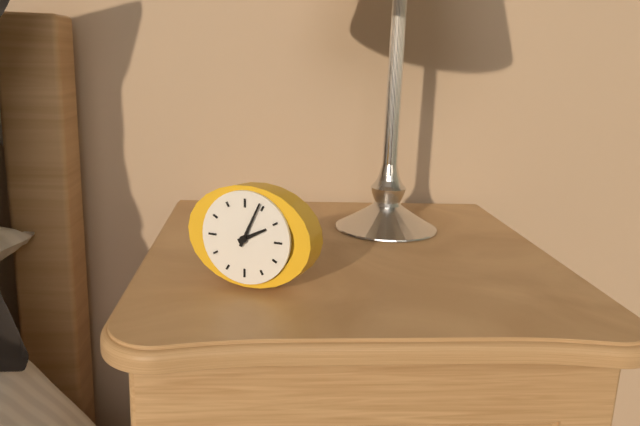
2:04
